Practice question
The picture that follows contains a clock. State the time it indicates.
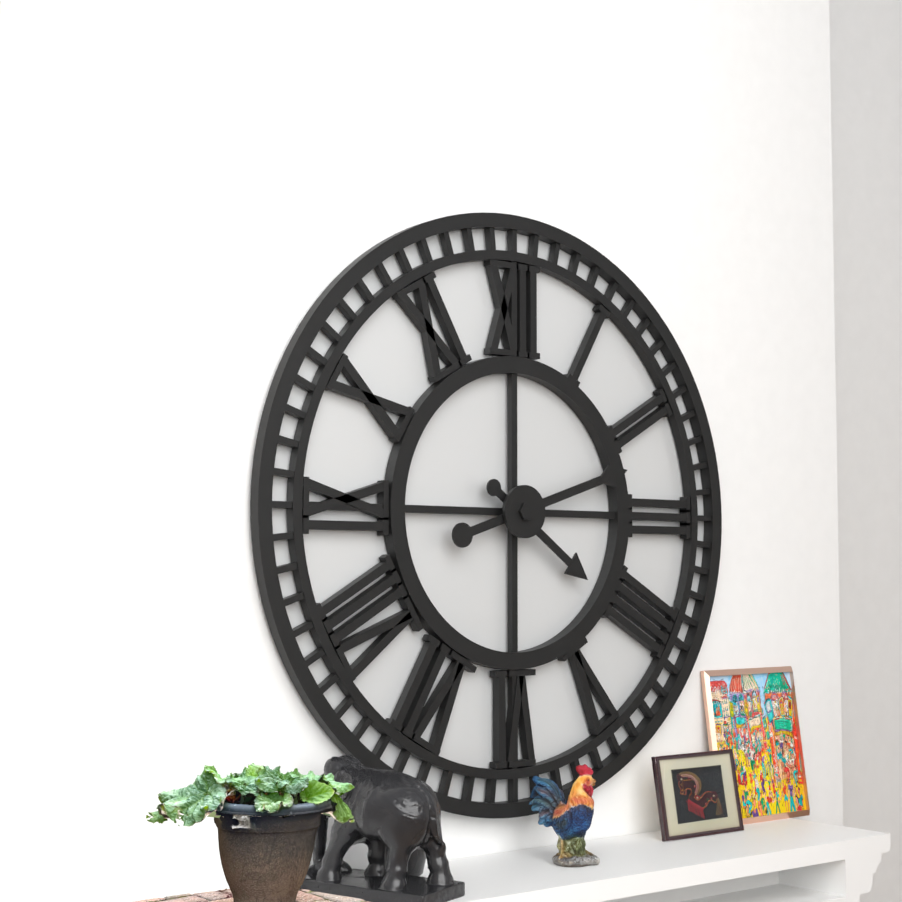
4:12
